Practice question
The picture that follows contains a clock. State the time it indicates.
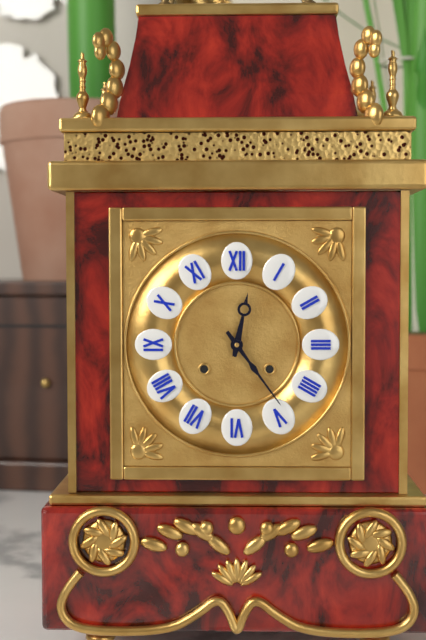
12:24
